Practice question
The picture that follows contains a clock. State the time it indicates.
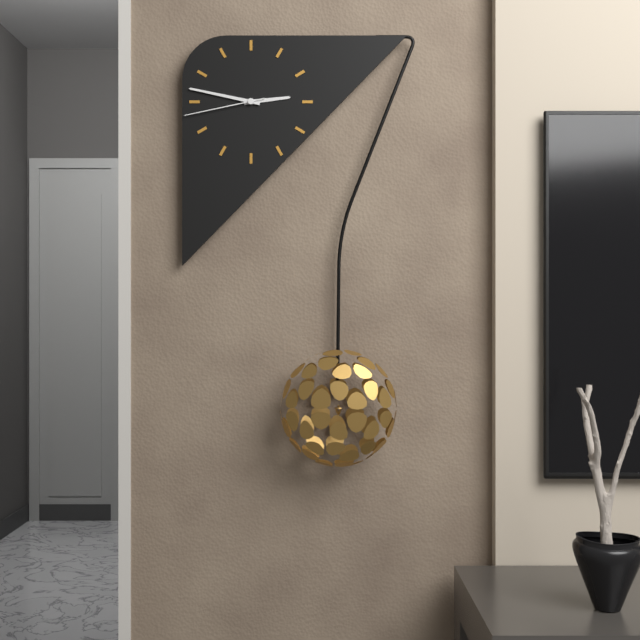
2:47:43
